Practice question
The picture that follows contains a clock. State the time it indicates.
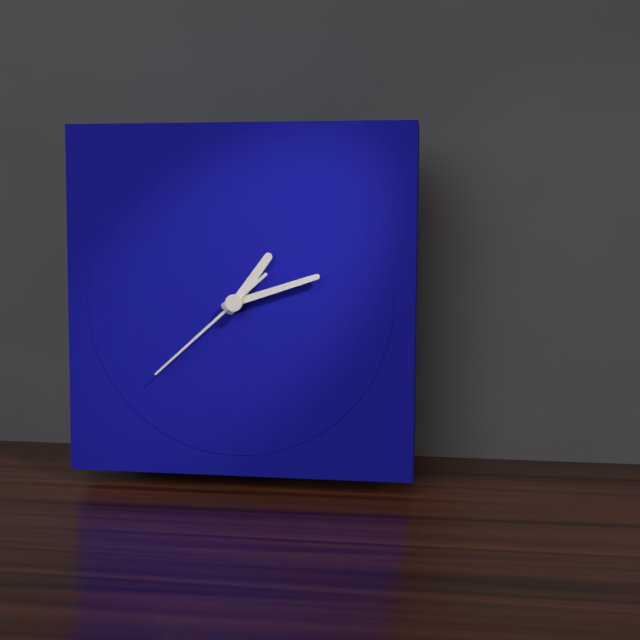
1:12:38
